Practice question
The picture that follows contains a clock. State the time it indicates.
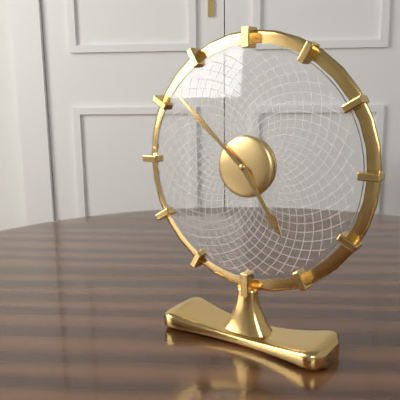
4:52
